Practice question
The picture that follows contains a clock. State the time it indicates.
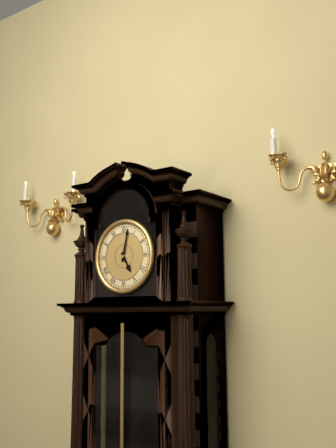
5:02
